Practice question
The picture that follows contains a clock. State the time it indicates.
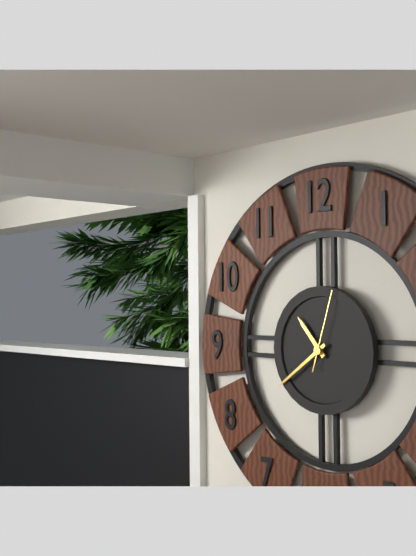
10:39:03
